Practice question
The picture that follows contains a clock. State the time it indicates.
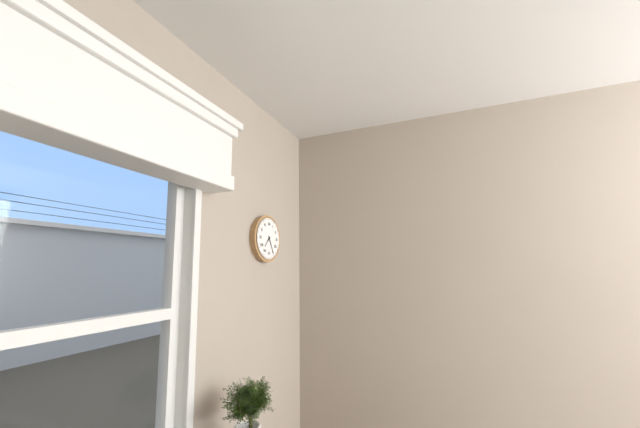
7:25
